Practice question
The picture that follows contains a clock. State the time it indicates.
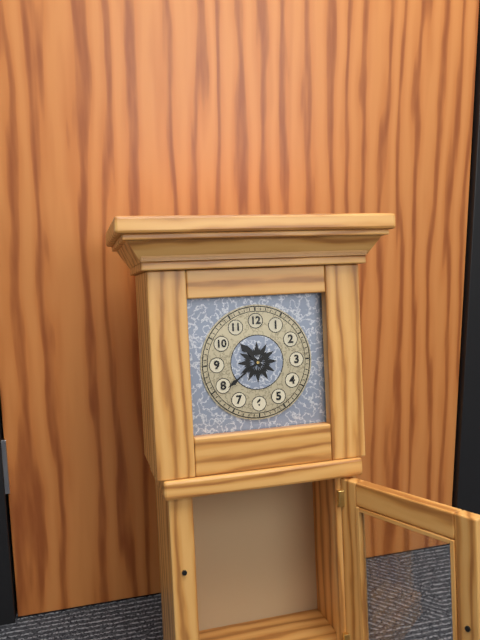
10:39
